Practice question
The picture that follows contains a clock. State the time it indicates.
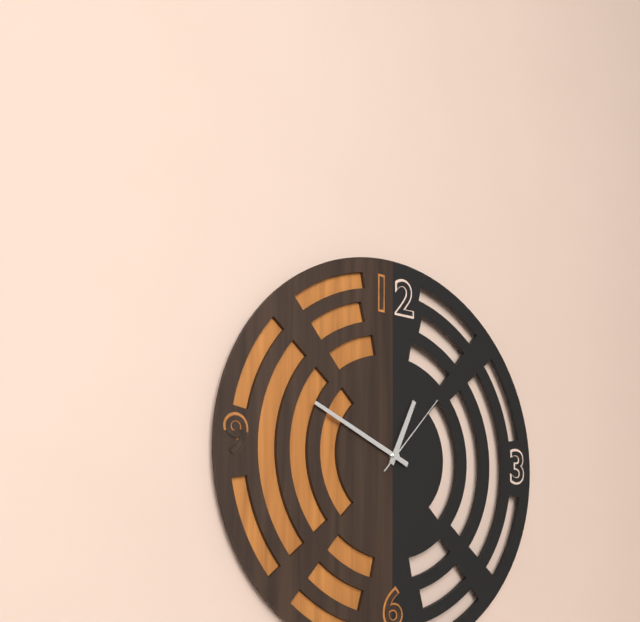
12:49:07
